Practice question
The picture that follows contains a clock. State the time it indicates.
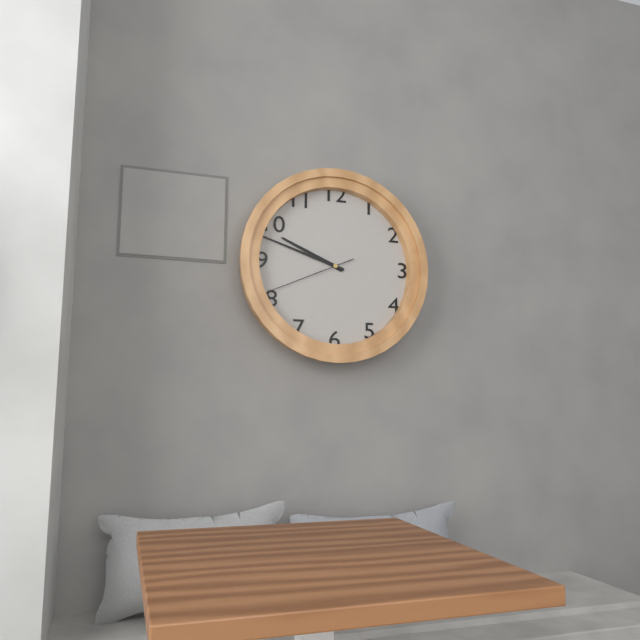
9:48:41
